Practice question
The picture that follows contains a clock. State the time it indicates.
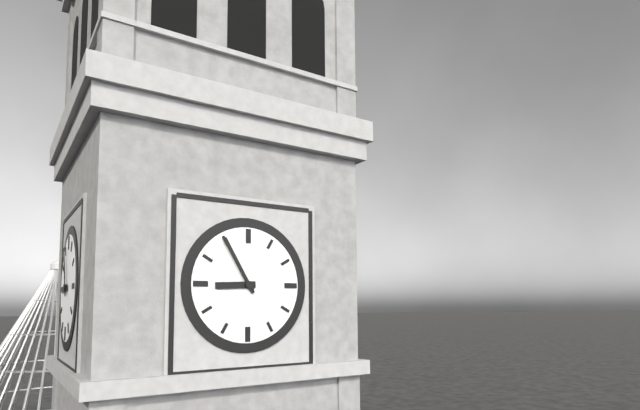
8:55
